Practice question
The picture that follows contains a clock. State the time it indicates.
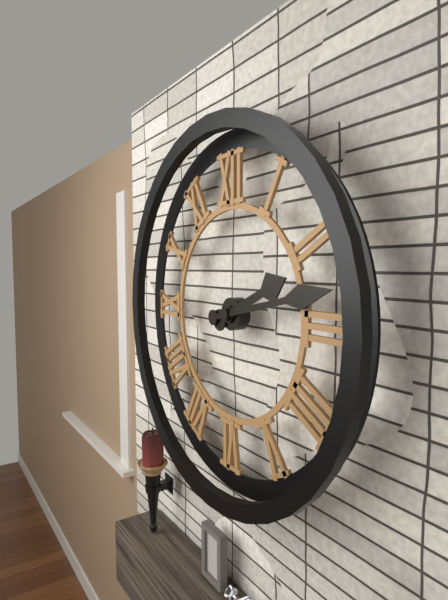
2:13
